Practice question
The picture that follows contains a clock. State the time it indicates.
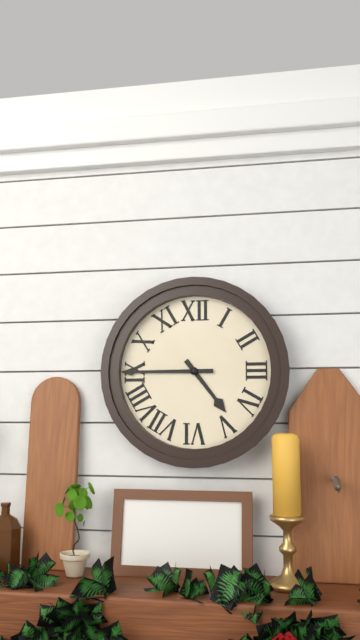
4:45
